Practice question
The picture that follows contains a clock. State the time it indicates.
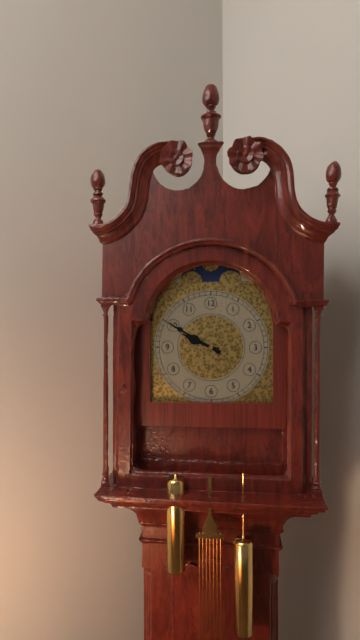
9:50
